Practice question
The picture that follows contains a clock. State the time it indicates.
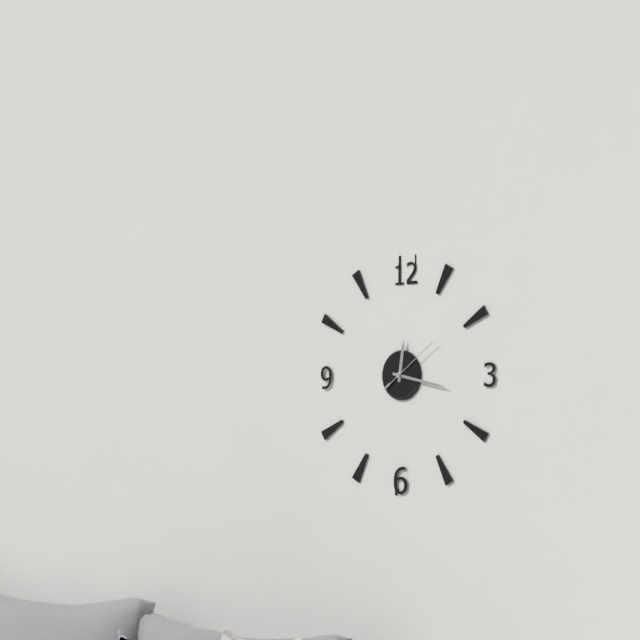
12:17:09
